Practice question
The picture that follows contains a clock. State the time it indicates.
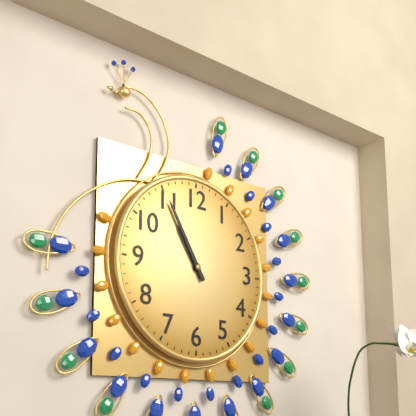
10:55
